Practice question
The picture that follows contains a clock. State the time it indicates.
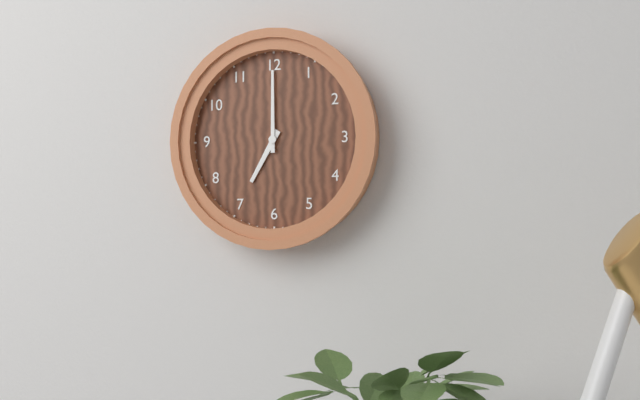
7:00
